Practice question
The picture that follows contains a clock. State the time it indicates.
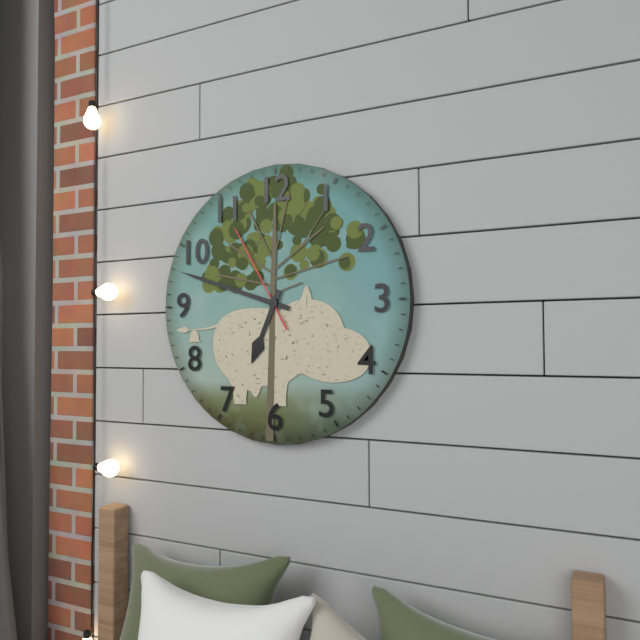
6:48:55
